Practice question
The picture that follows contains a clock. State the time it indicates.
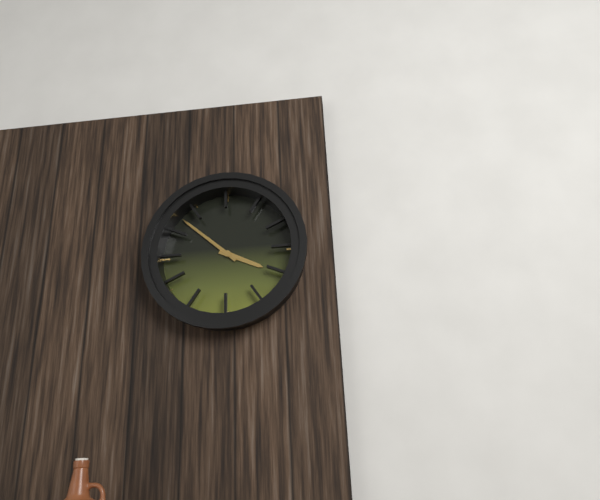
3:52
